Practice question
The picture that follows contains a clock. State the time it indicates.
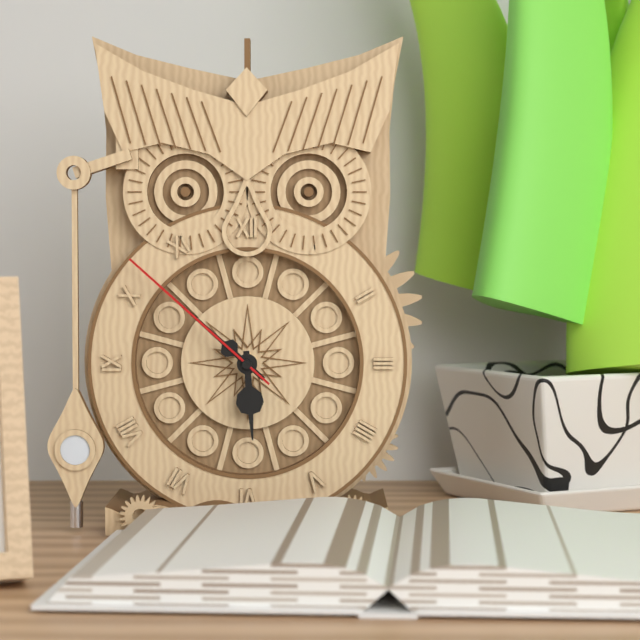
5:52:52
